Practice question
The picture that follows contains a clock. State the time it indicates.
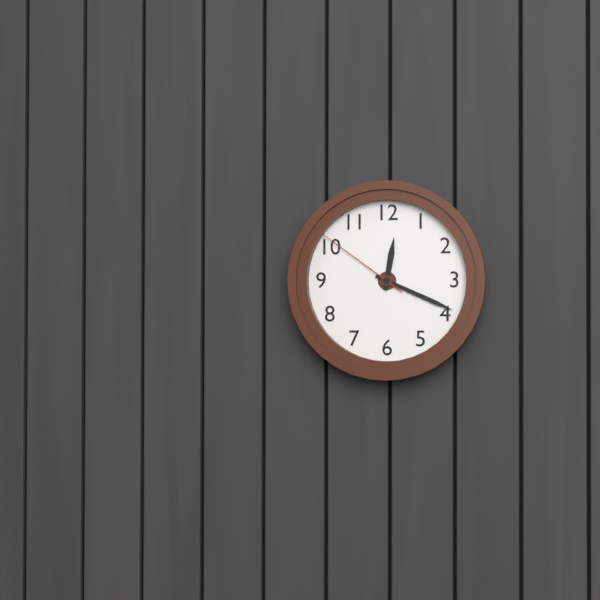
12:19:51
